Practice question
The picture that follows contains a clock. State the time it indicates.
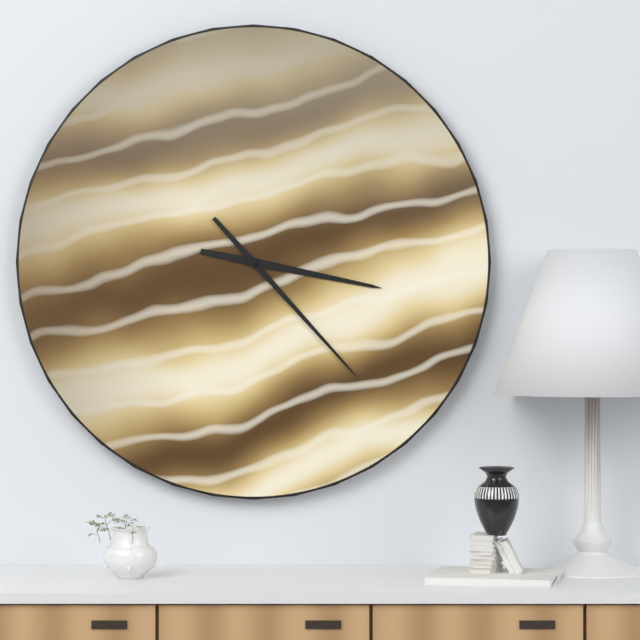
3:23
